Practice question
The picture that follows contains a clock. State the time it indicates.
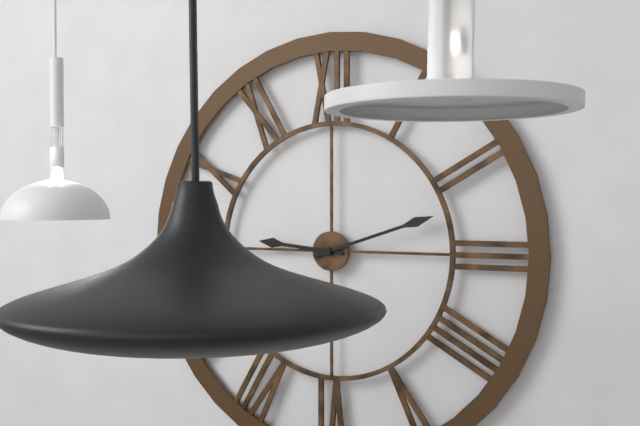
9:12
